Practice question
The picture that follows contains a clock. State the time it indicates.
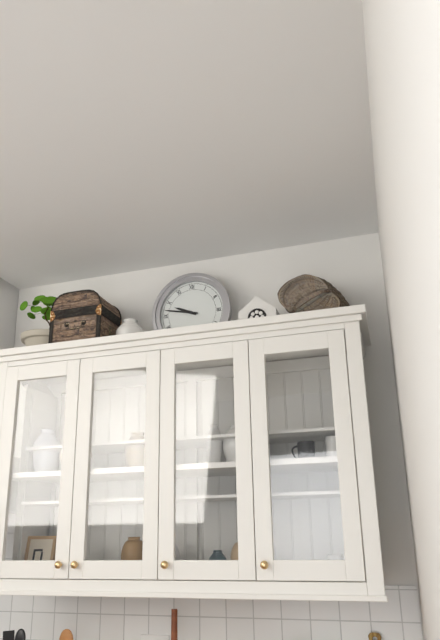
9:47
